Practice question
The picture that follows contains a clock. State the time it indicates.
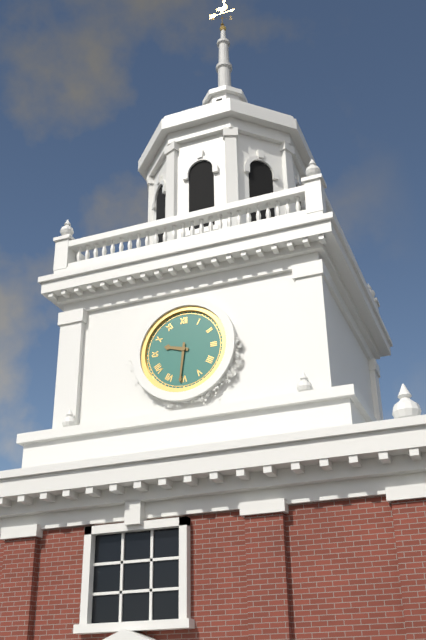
9:31
